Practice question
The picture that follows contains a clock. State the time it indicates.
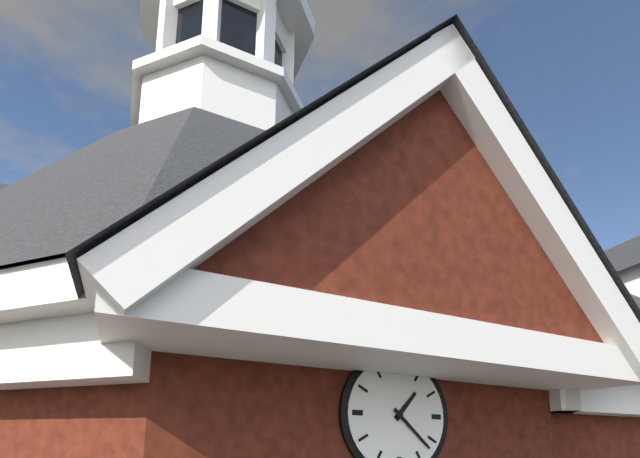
1:22
